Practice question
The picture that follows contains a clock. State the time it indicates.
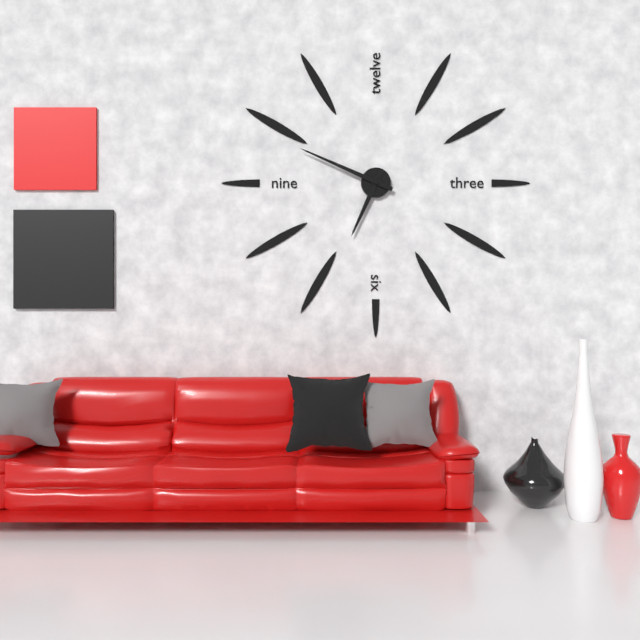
6:49
